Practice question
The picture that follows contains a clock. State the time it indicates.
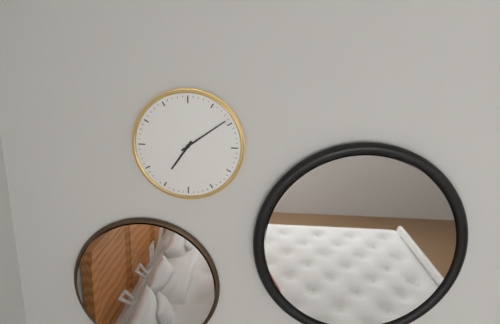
7:09
